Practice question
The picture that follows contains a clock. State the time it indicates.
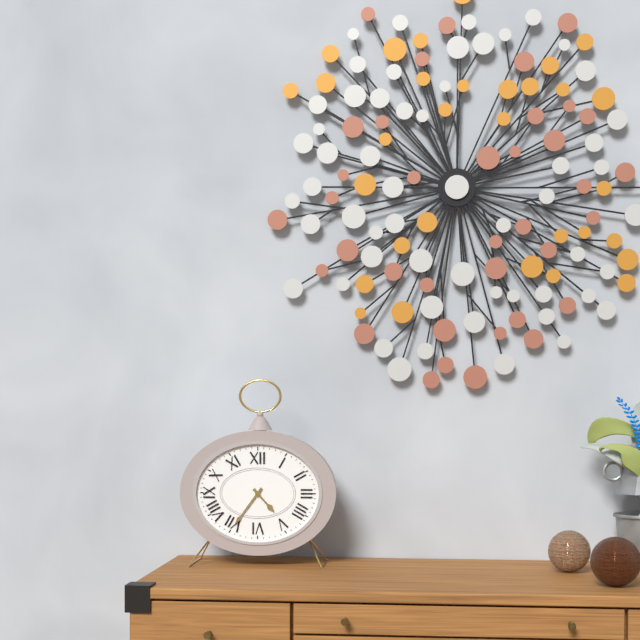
4:36
